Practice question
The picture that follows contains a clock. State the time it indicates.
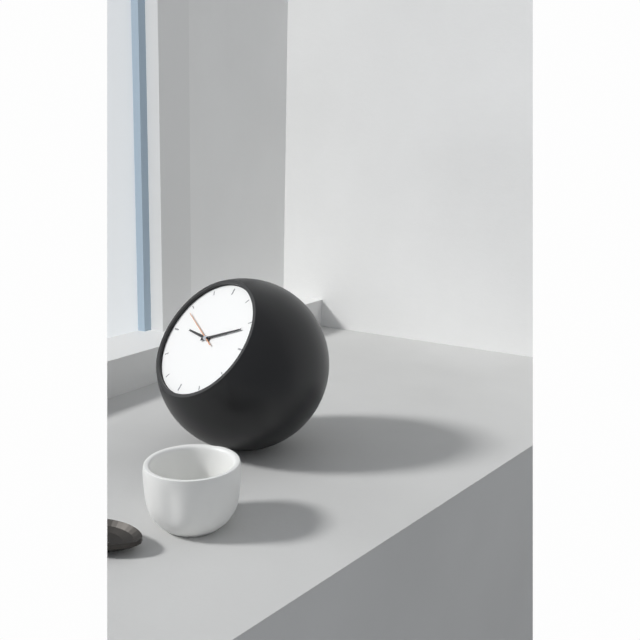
9:11:49
